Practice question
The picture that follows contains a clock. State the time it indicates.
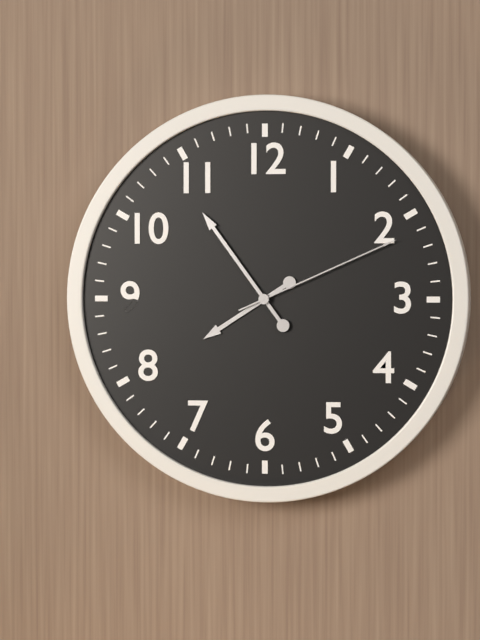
7:54:11
